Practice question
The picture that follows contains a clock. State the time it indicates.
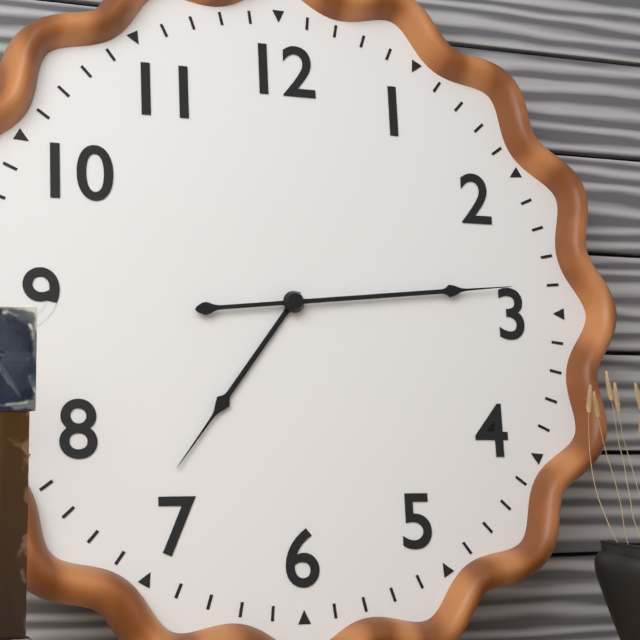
7:14
